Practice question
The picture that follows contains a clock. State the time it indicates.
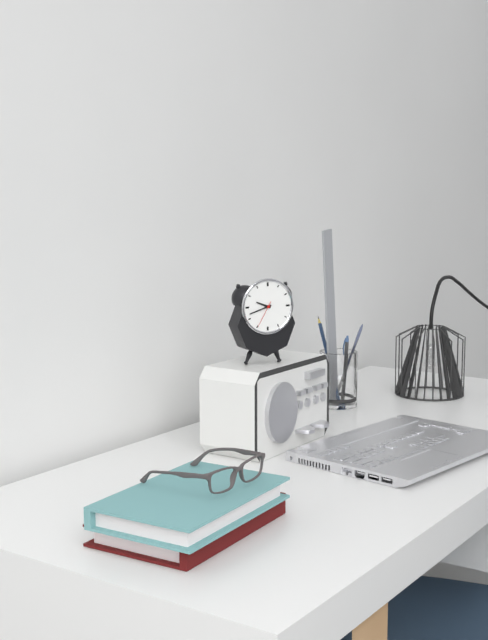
9:42
